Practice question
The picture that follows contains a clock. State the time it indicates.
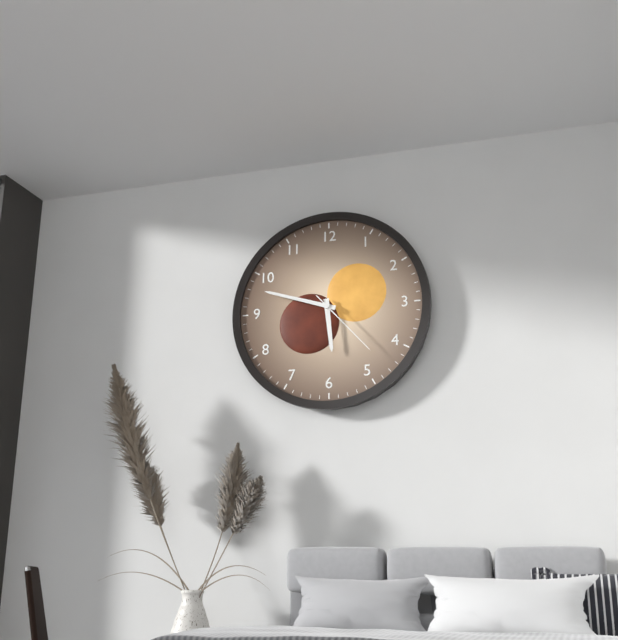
5:48:23
